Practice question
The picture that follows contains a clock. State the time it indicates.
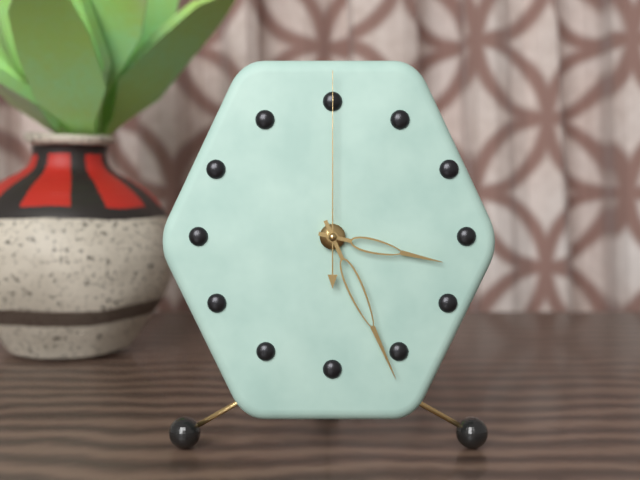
3:26:00
